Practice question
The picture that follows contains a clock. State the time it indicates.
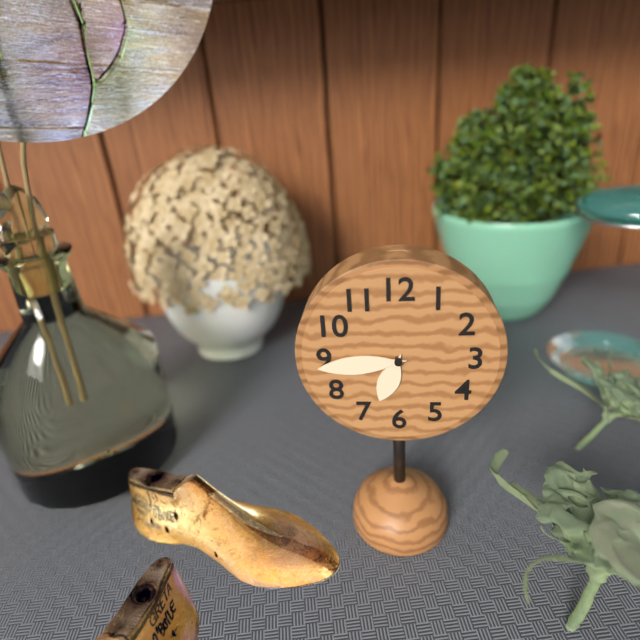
6:44
